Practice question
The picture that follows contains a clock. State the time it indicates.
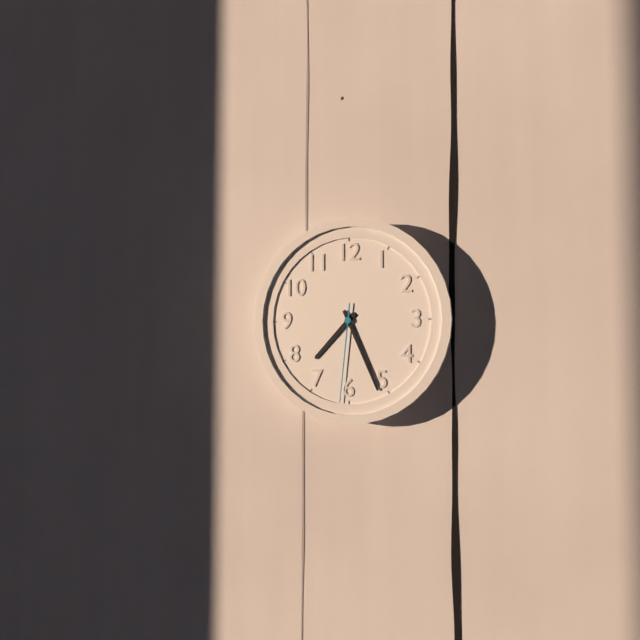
7:26:31
